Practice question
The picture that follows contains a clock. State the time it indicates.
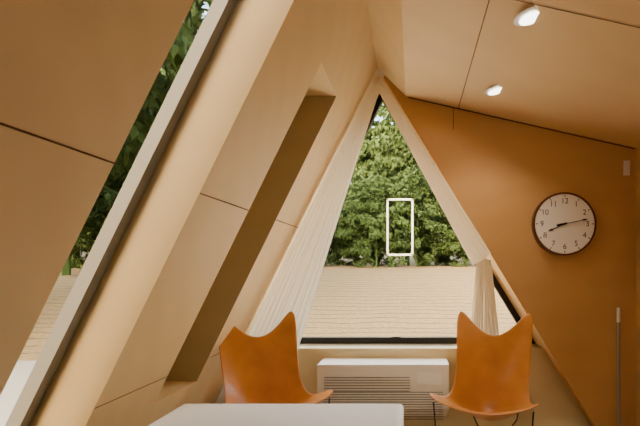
8:13
